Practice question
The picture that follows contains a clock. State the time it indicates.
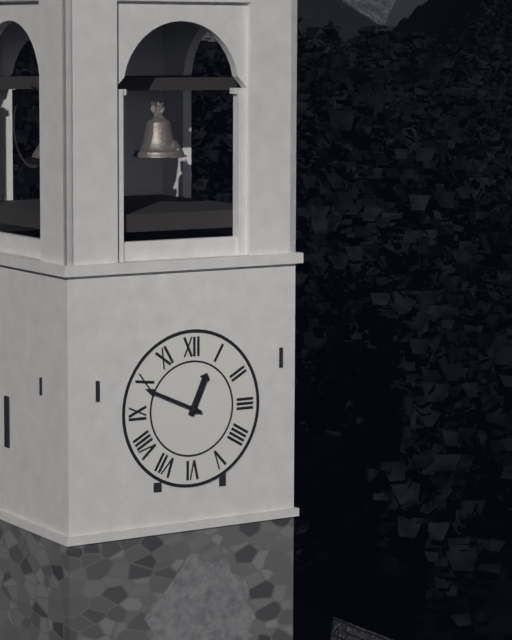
12:49
